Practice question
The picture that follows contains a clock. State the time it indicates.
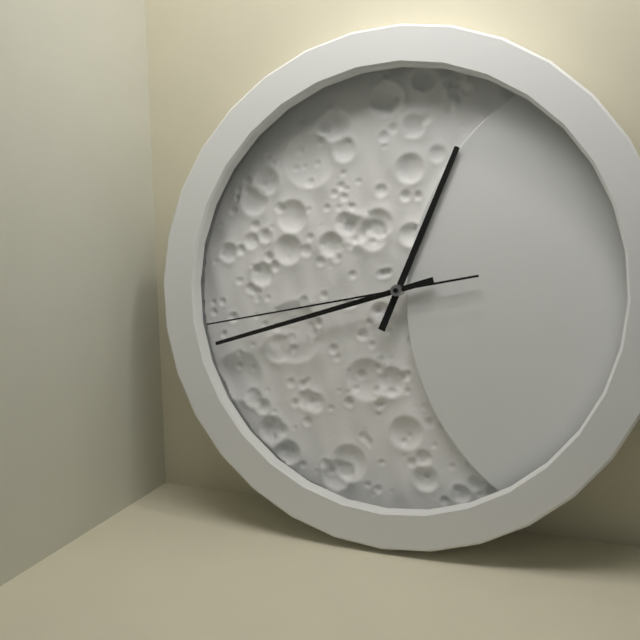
12:42:43
